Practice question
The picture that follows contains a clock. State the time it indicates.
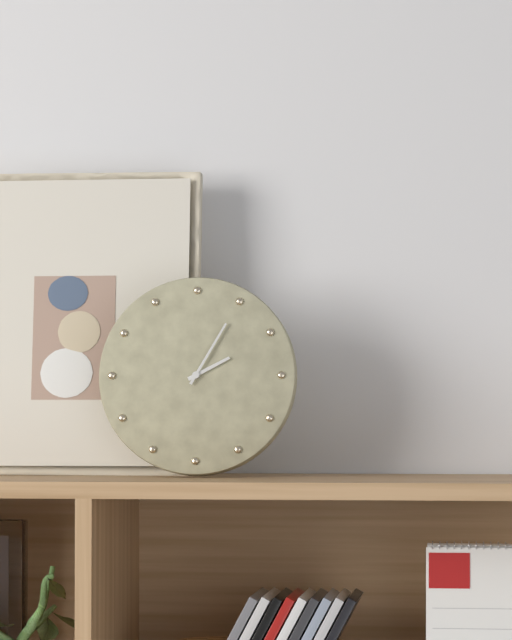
2:05
